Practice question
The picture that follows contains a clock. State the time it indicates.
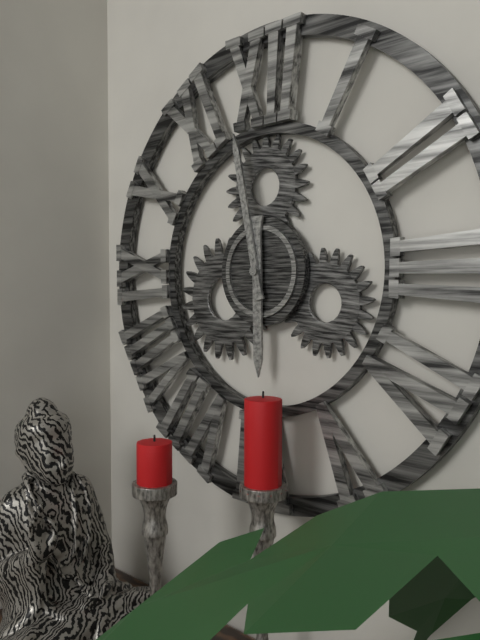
5:58
